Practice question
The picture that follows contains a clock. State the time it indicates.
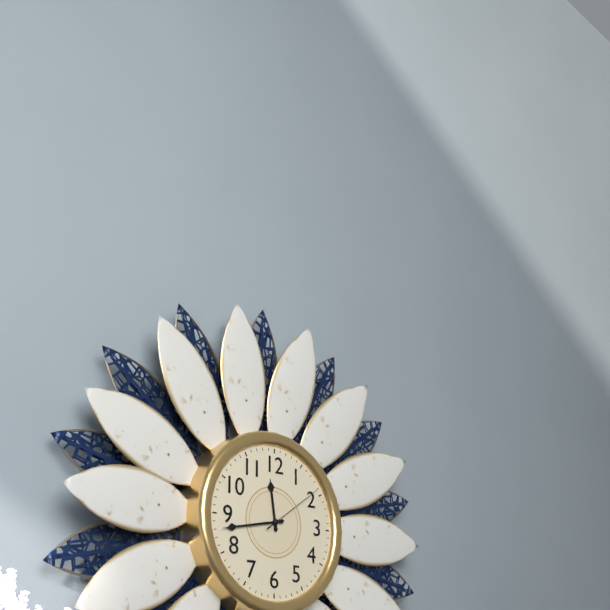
11:43:09
